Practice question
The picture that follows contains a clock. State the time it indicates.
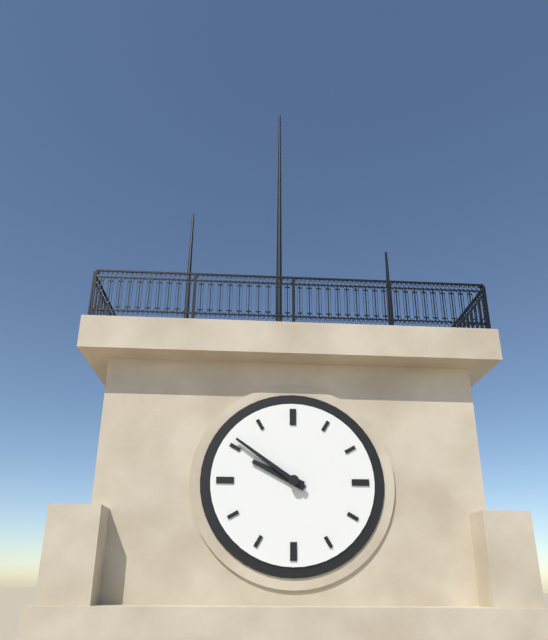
9:51
